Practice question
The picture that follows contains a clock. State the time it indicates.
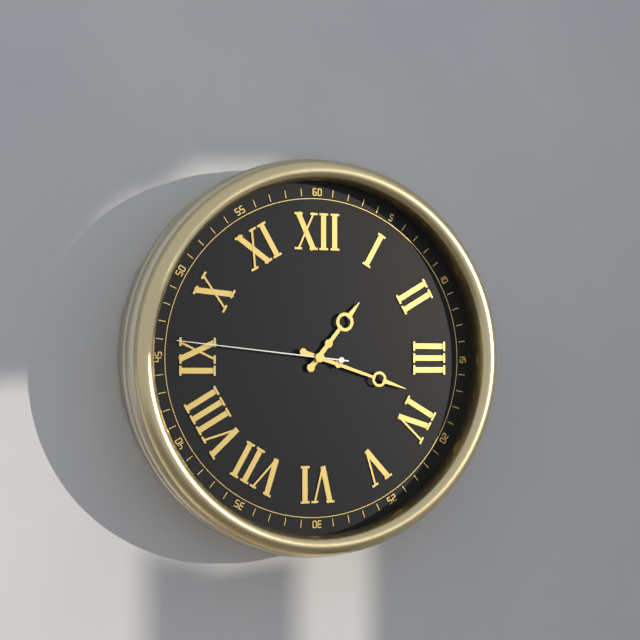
1:18:46
